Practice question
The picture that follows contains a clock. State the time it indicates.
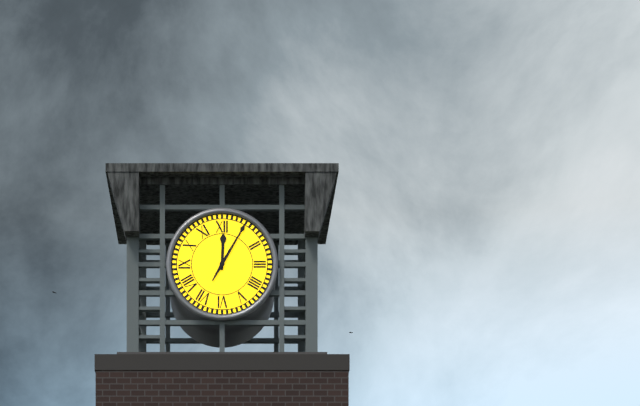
12:05
